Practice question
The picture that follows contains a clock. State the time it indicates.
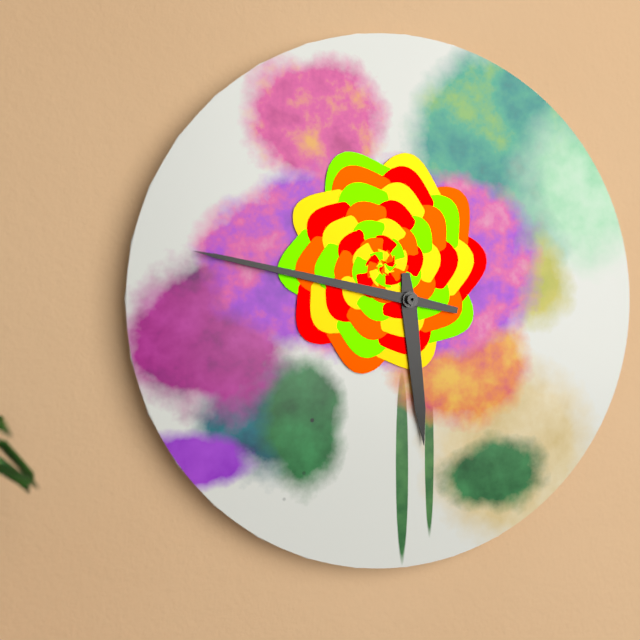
5:47
